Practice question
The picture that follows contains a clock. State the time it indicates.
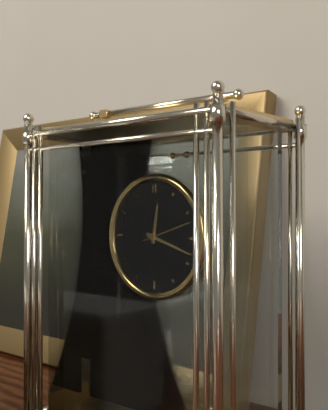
12:18:12
